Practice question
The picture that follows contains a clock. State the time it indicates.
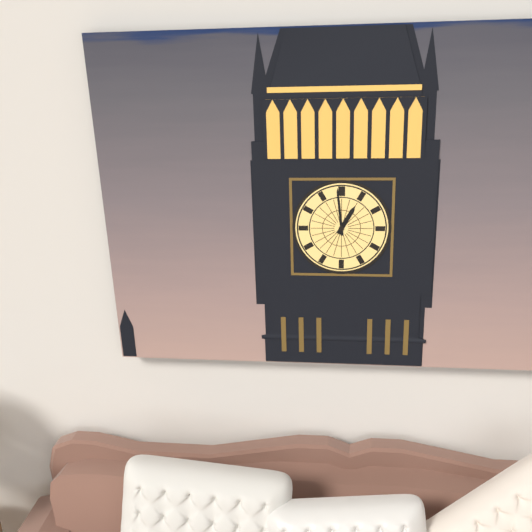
12:59
